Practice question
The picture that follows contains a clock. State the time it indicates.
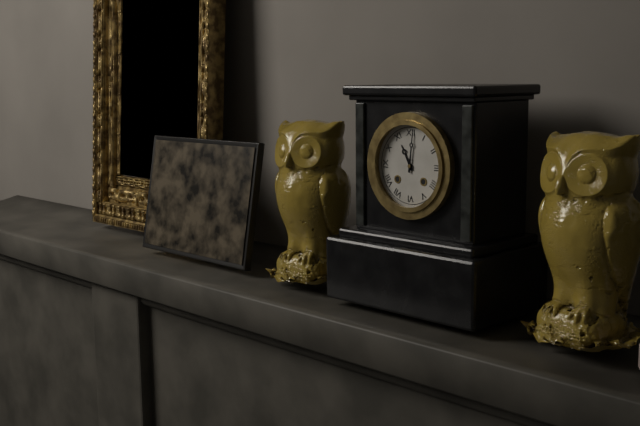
11:01
